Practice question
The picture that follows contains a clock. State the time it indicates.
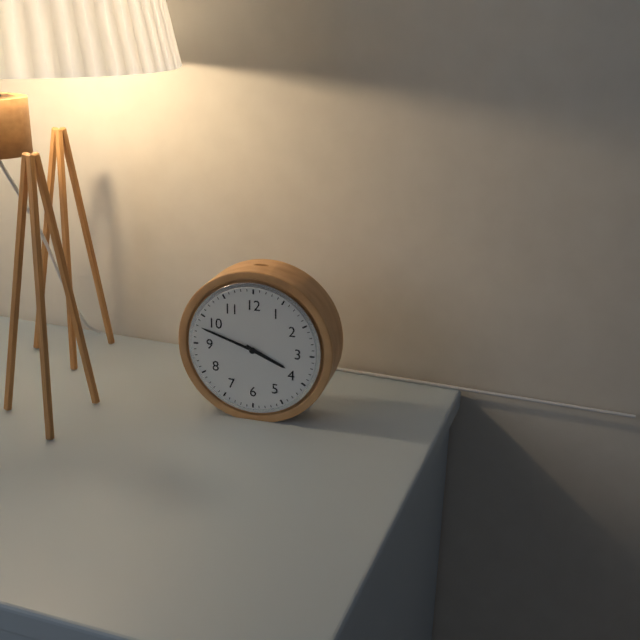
3:48
